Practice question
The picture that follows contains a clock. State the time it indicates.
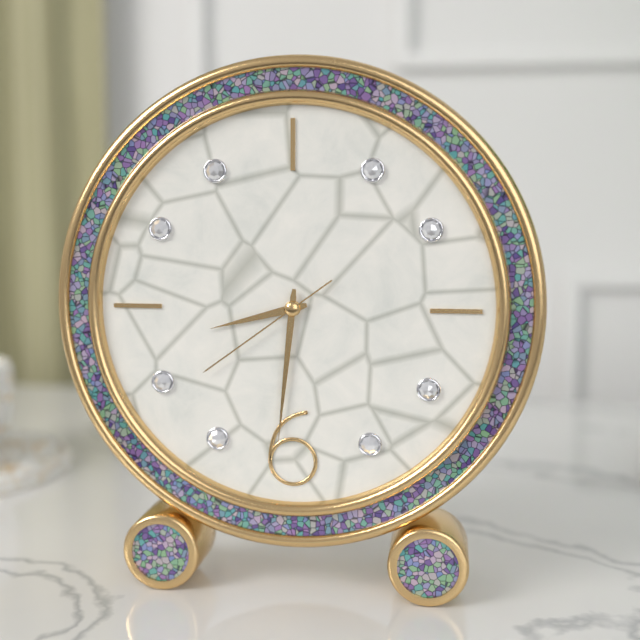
8:31:39
